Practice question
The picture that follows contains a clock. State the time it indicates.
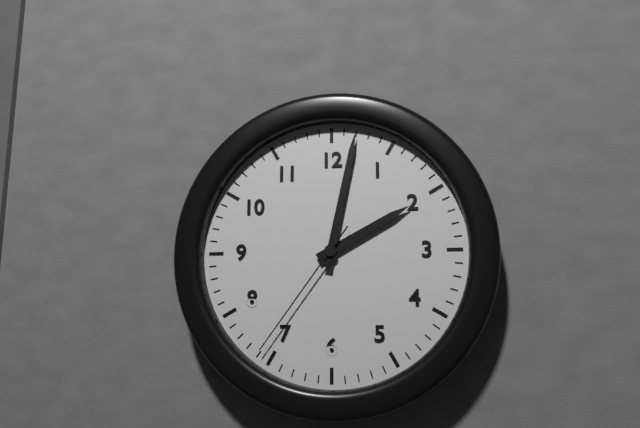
2:02:36
